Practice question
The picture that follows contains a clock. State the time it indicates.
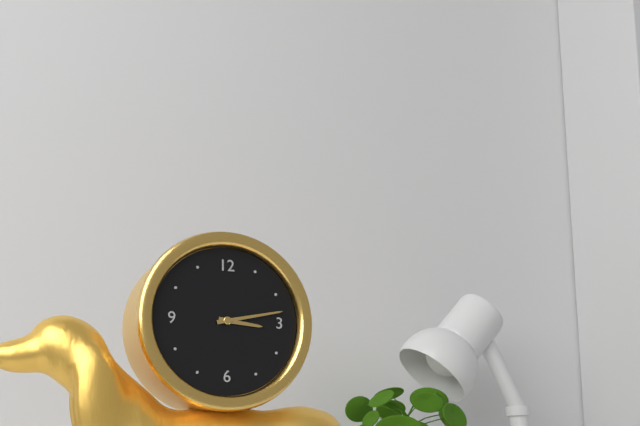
3:13
